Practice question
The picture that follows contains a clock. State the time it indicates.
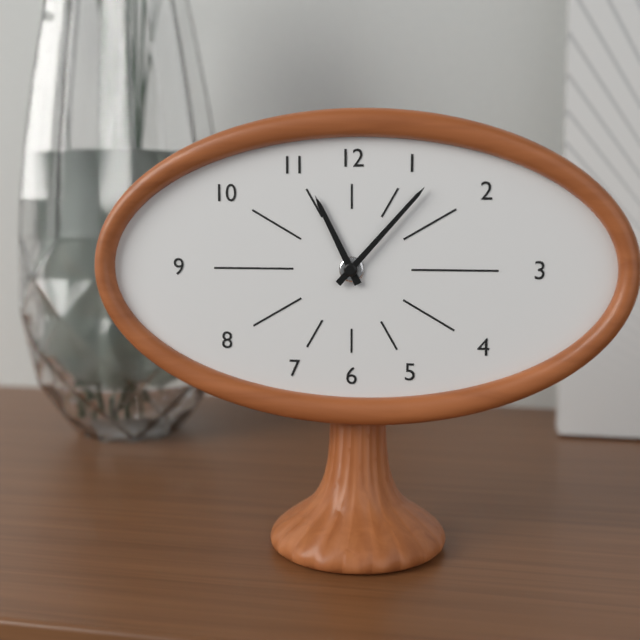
11:07
